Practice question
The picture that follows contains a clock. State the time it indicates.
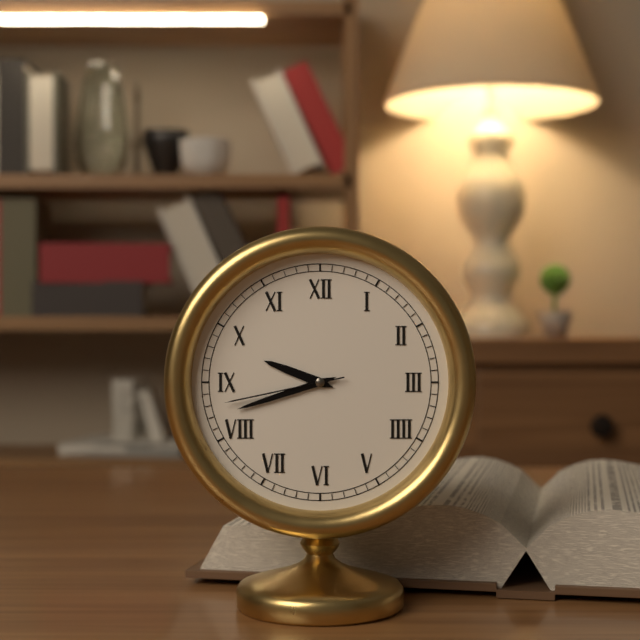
9:42:43
